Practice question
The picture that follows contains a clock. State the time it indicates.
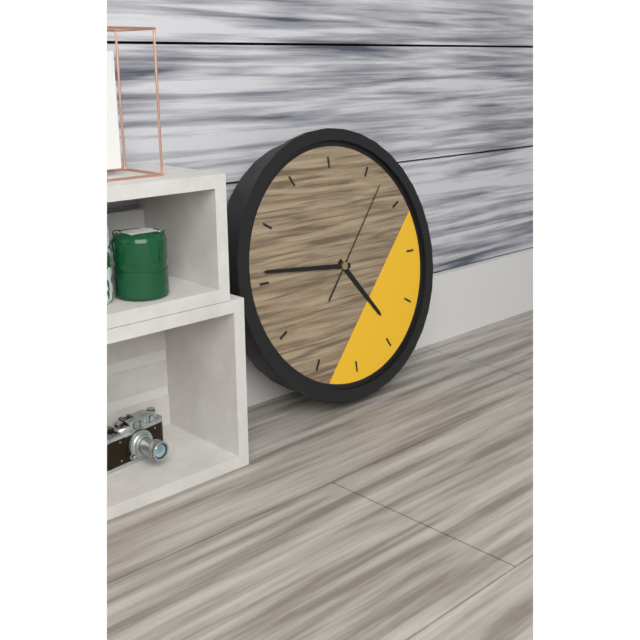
4:46:07
